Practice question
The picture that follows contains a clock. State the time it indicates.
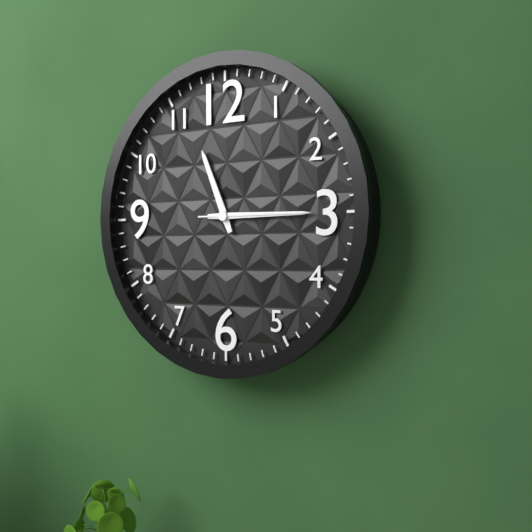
11:15:15
